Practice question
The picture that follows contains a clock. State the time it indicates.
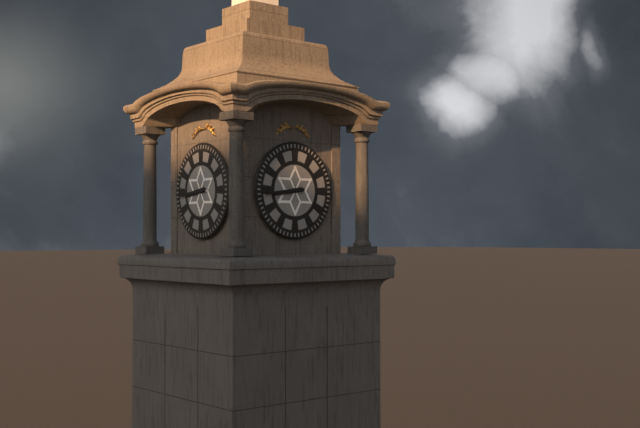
8:44
